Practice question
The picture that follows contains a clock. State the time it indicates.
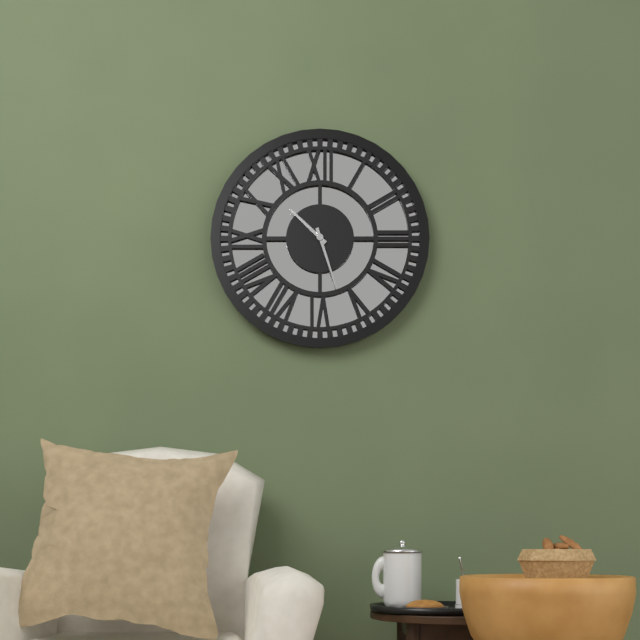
10:27
